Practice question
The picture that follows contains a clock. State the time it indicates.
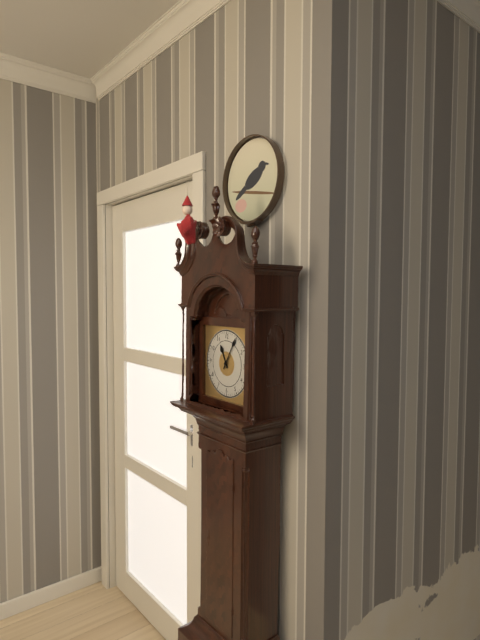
11:05
